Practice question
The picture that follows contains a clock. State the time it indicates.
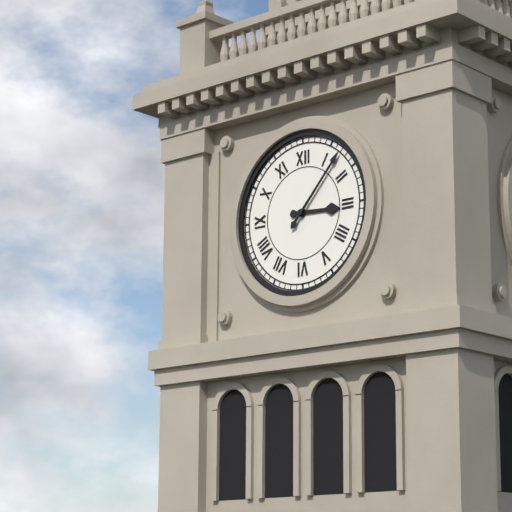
3:07
